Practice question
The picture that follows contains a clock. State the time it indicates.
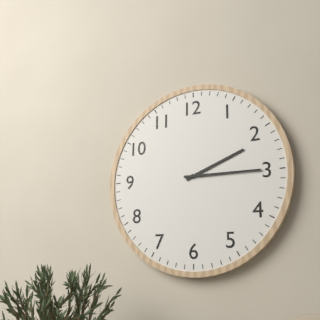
2:15
